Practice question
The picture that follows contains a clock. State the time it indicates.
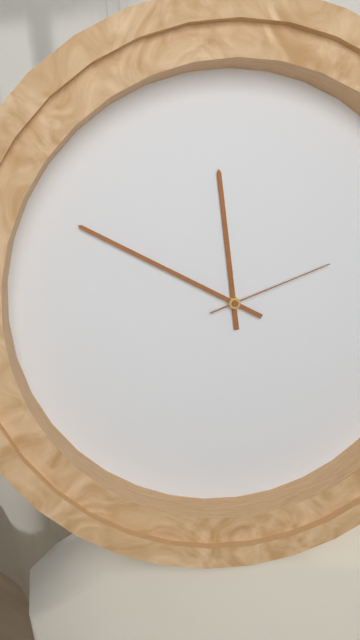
11:50:12
